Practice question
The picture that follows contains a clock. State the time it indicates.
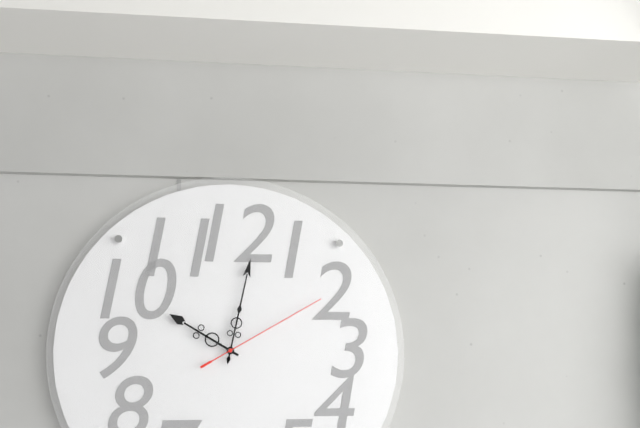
10:02:10
